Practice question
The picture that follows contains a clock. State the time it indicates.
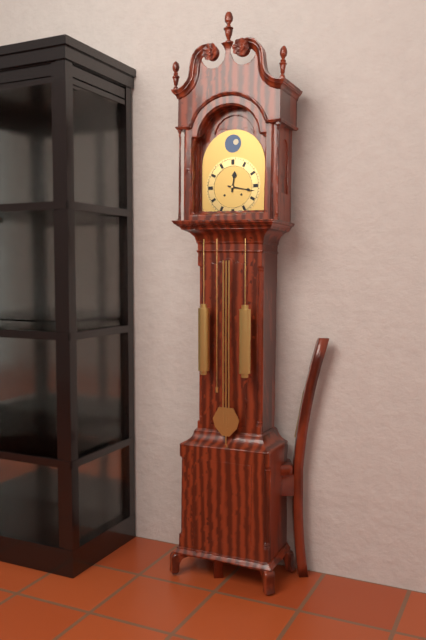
12:17
